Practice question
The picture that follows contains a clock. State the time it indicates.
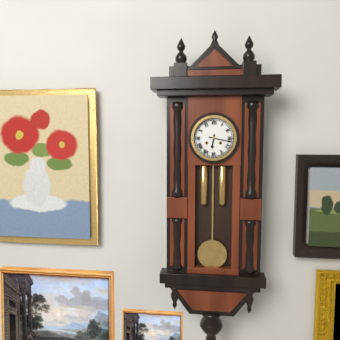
6:17
